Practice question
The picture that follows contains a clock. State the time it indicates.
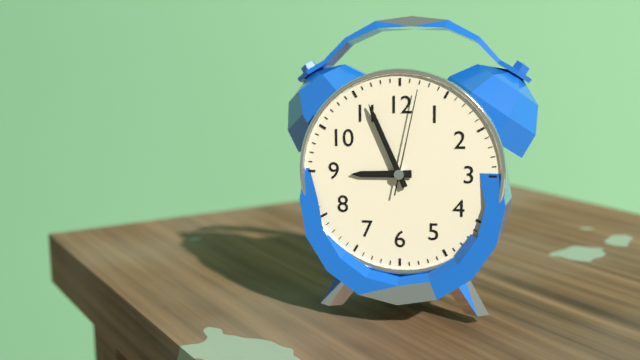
8:56:02
